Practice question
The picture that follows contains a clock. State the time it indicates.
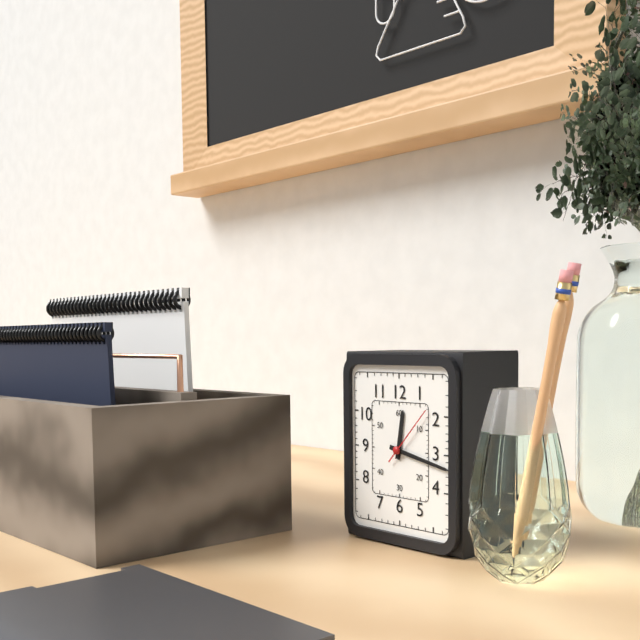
12:17:07
